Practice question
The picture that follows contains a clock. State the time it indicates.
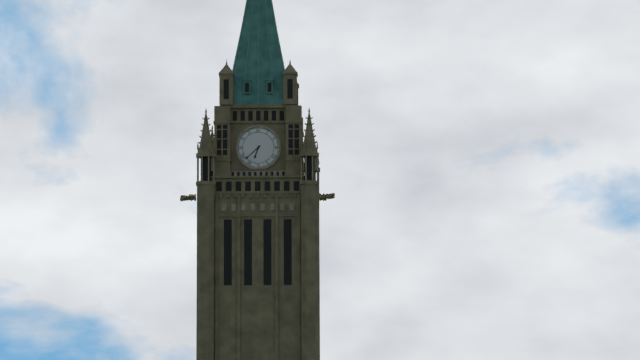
6:38
